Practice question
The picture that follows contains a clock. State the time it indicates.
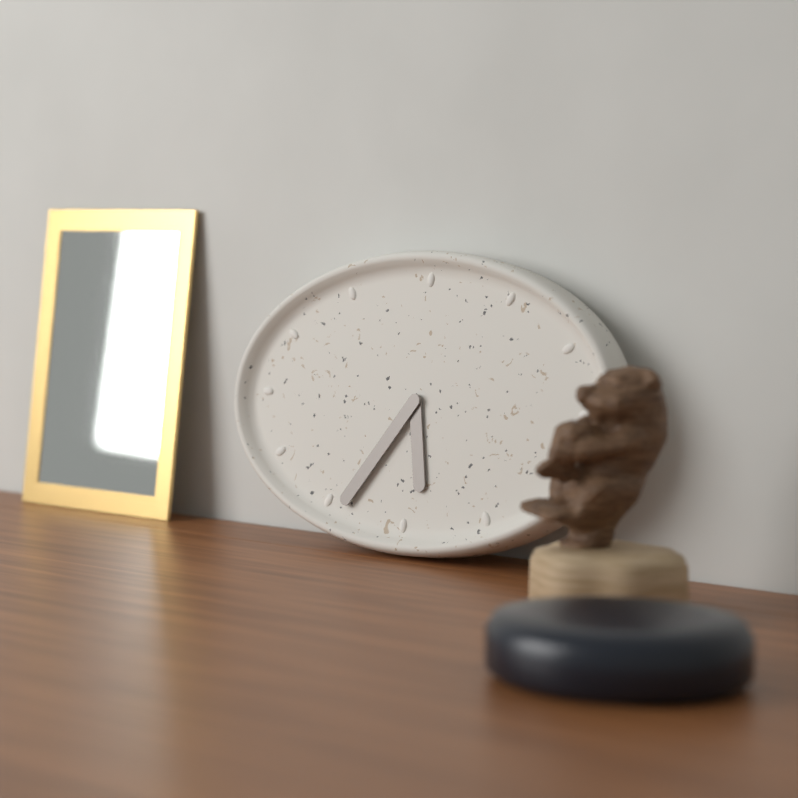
5:36
